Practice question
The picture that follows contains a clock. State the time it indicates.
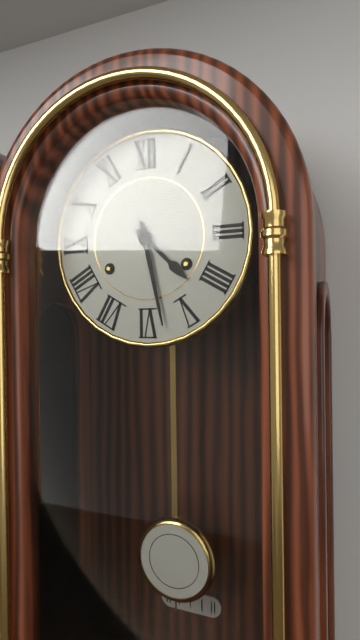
4:28
